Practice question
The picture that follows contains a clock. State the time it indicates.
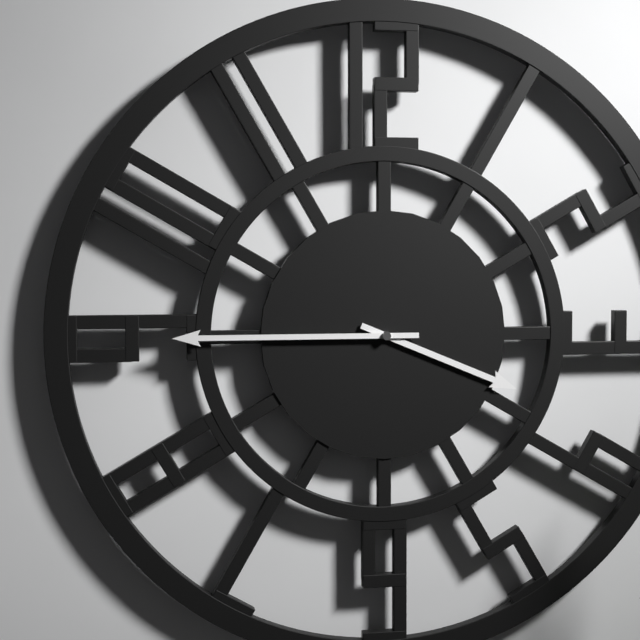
3:45
